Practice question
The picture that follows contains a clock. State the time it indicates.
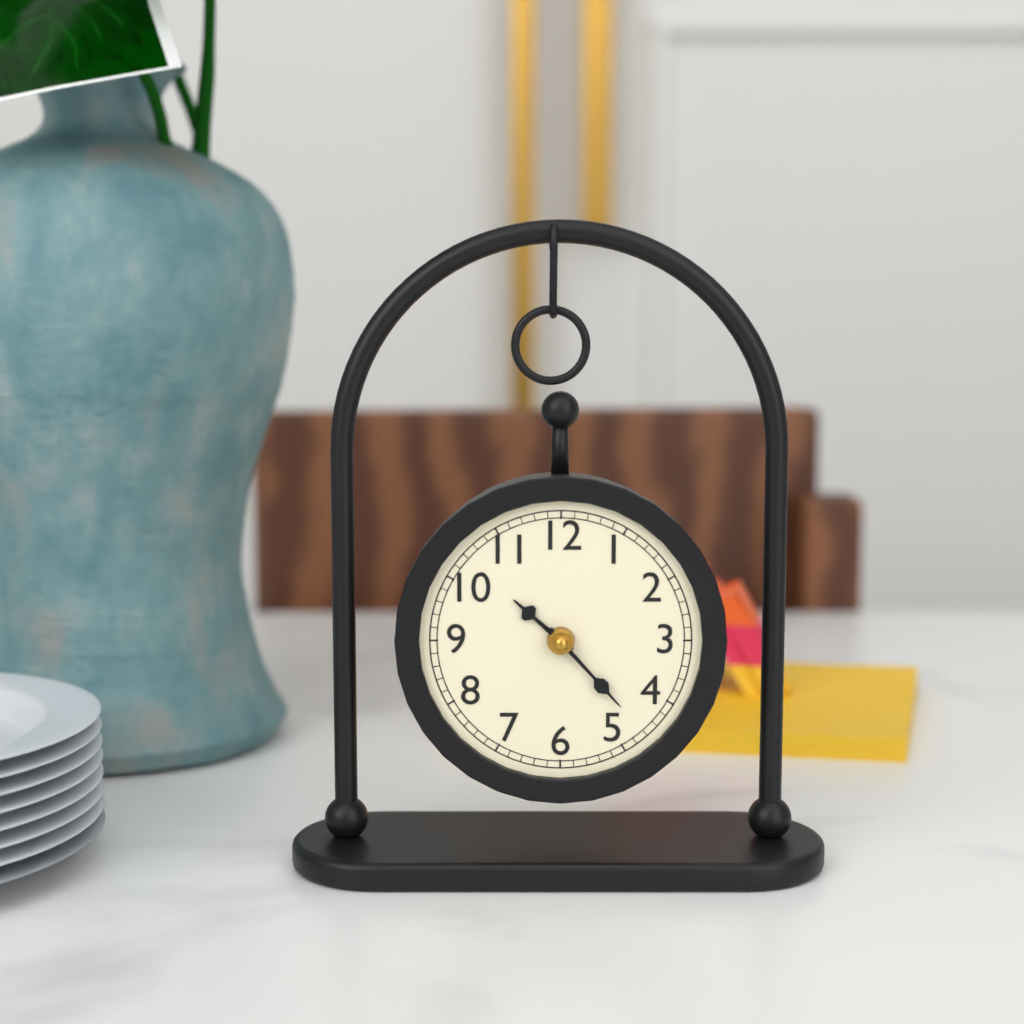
10:23
